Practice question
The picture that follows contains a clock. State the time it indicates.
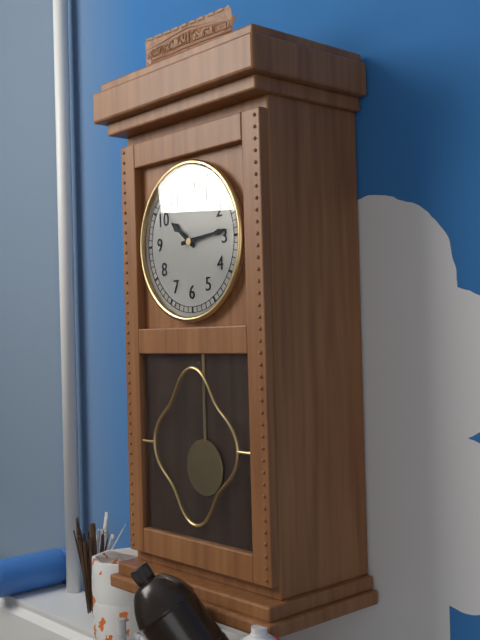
10:14
